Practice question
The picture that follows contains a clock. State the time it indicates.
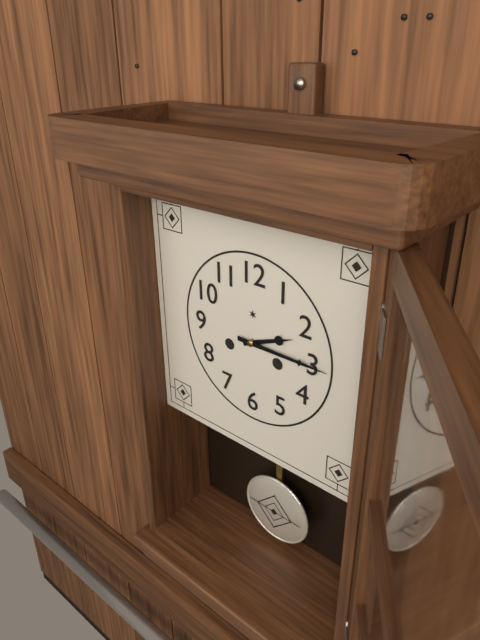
2:15
